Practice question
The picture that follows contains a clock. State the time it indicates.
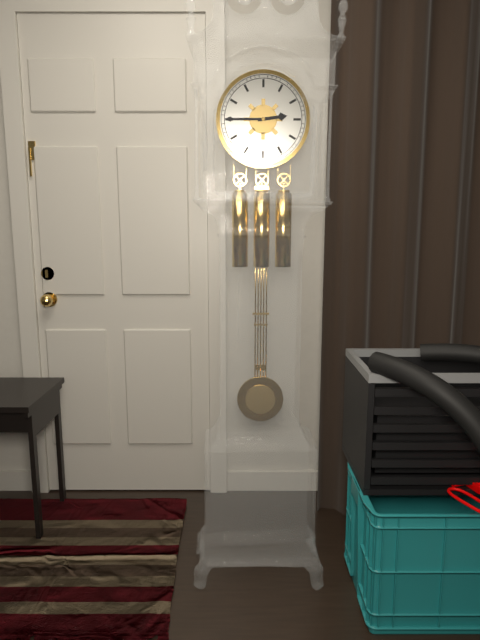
2:45
